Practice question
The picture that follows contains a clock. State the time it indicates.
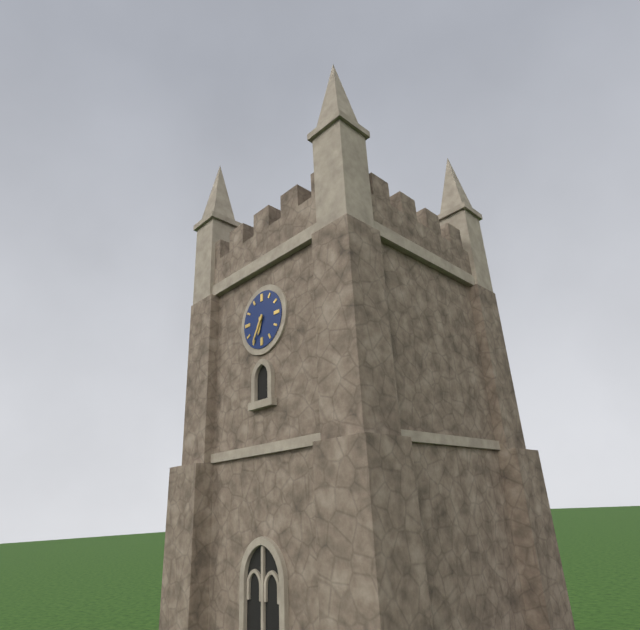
6:35
